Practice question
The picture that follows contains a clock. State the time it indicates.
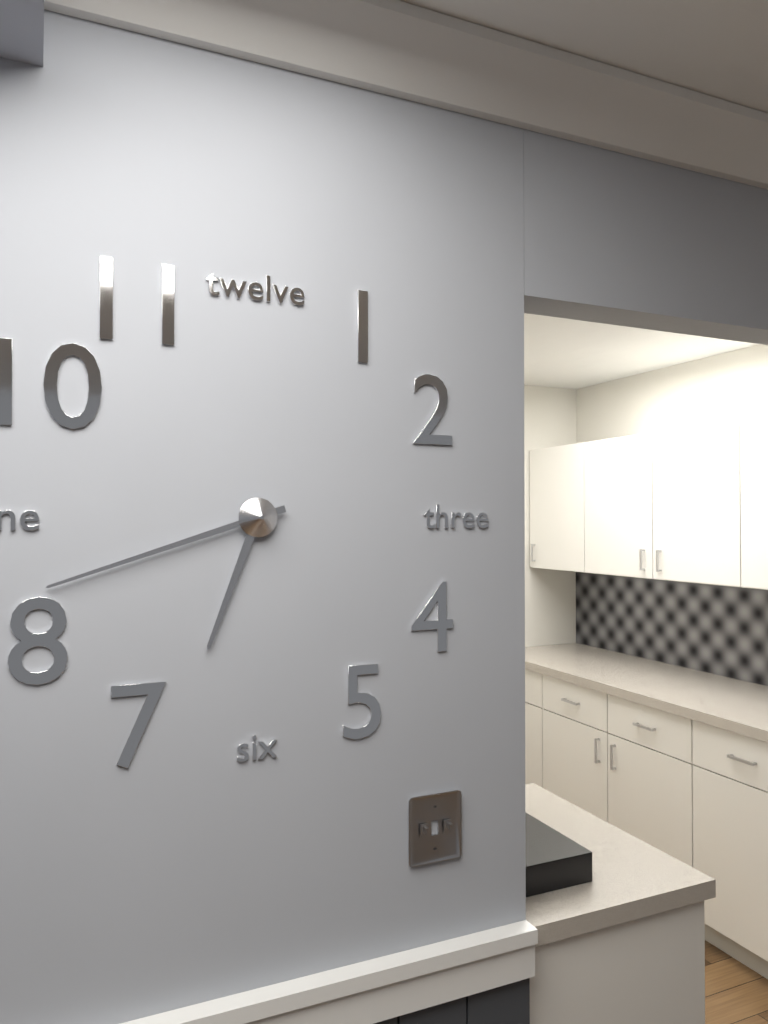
6:42
